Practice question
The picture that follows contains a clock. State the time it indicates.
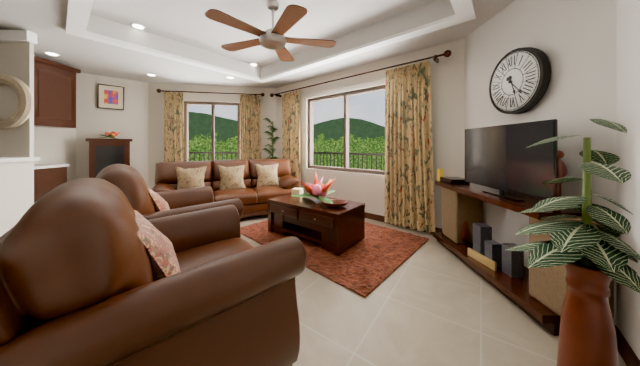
5:23
